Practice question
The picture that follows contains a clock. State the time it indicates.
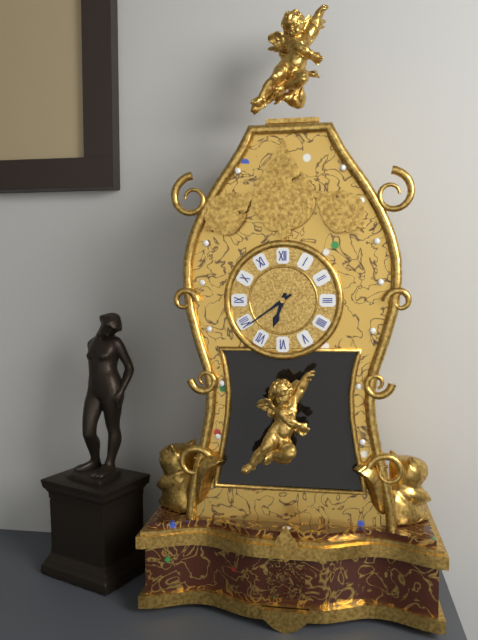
6:39
